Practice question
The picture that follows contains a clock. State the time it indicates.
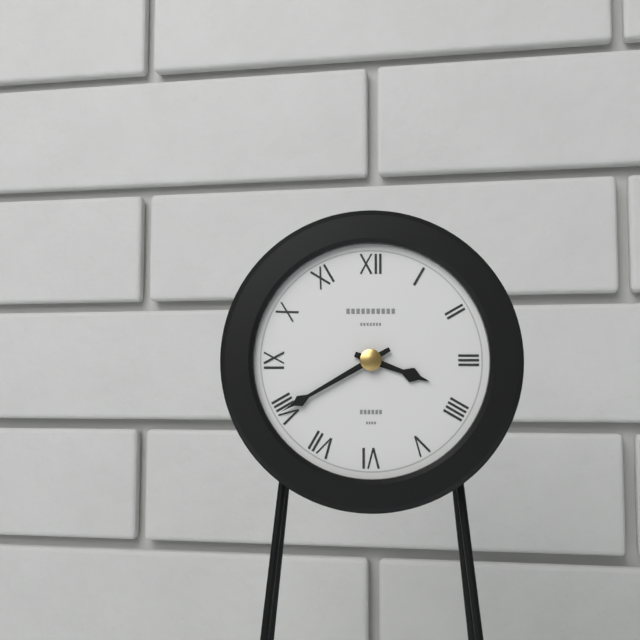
3:40
